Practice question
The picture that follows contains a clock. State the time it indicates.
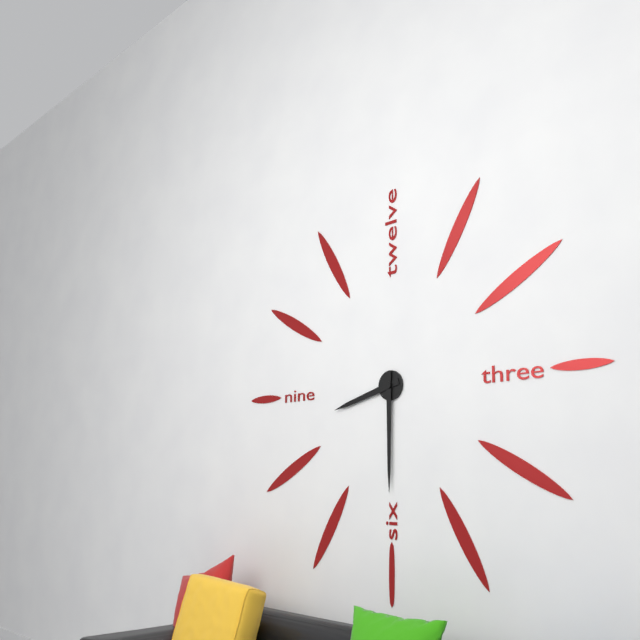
8:30
